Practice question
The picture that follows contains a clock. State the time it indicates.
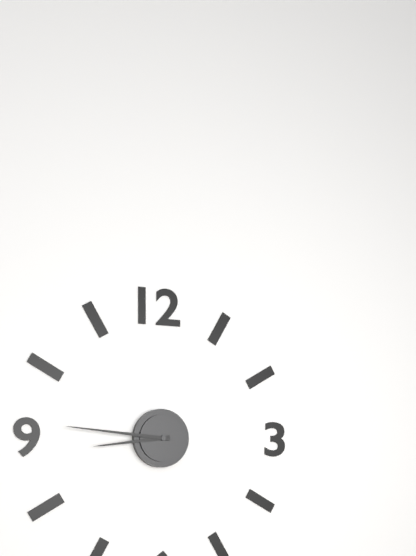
8:46
